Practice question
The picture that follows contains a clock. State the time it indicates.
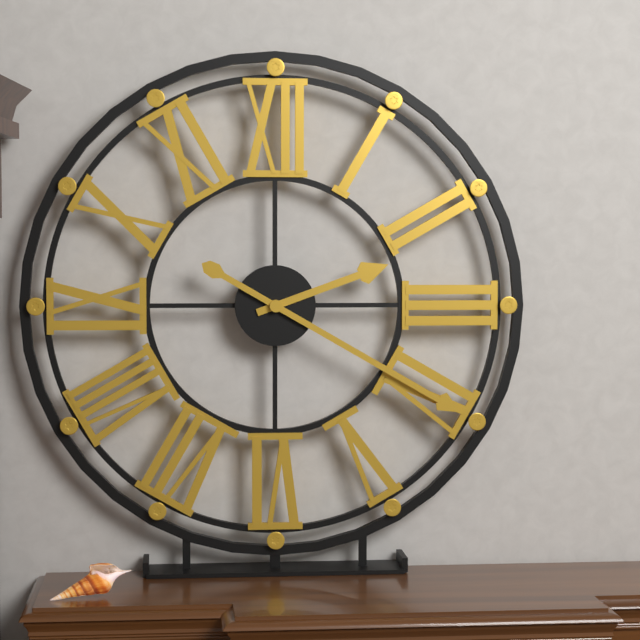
2:20
